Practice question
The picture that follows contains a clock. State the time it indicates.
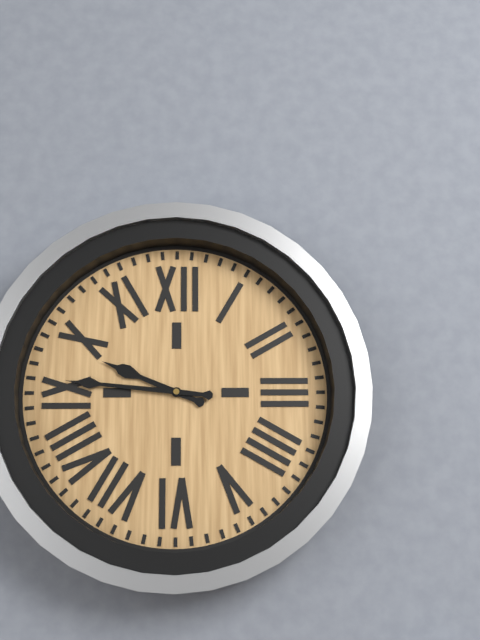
9:46
